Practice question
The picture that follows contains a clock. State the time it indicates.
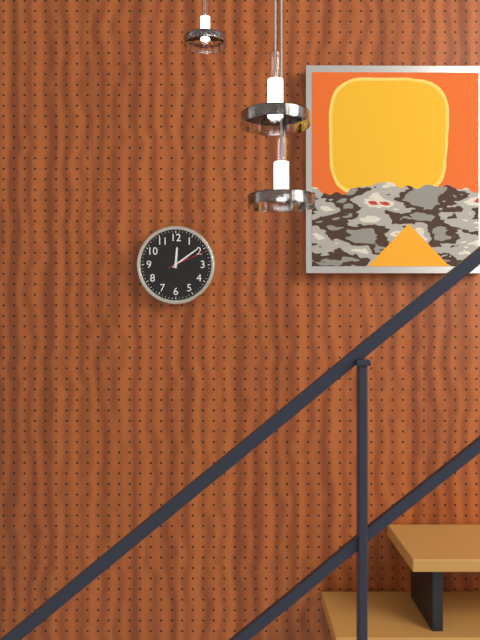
12:09
